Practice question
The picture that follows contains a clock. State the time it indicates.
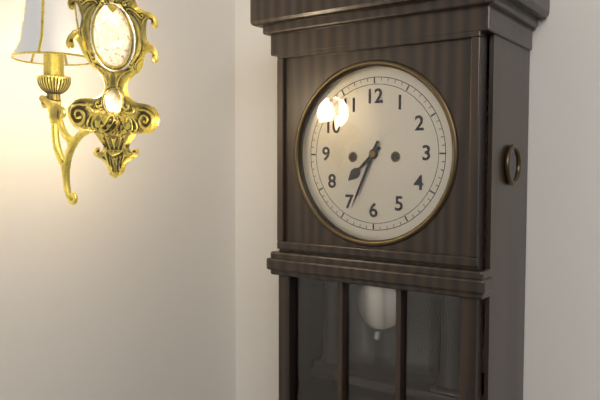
7:34
